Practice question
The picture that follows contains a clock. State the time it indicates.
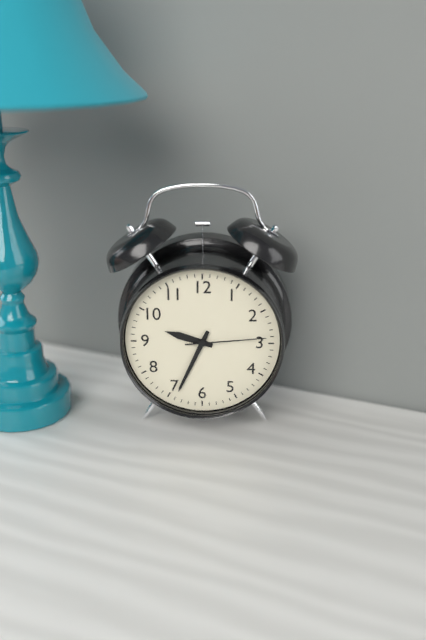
9:34:14
